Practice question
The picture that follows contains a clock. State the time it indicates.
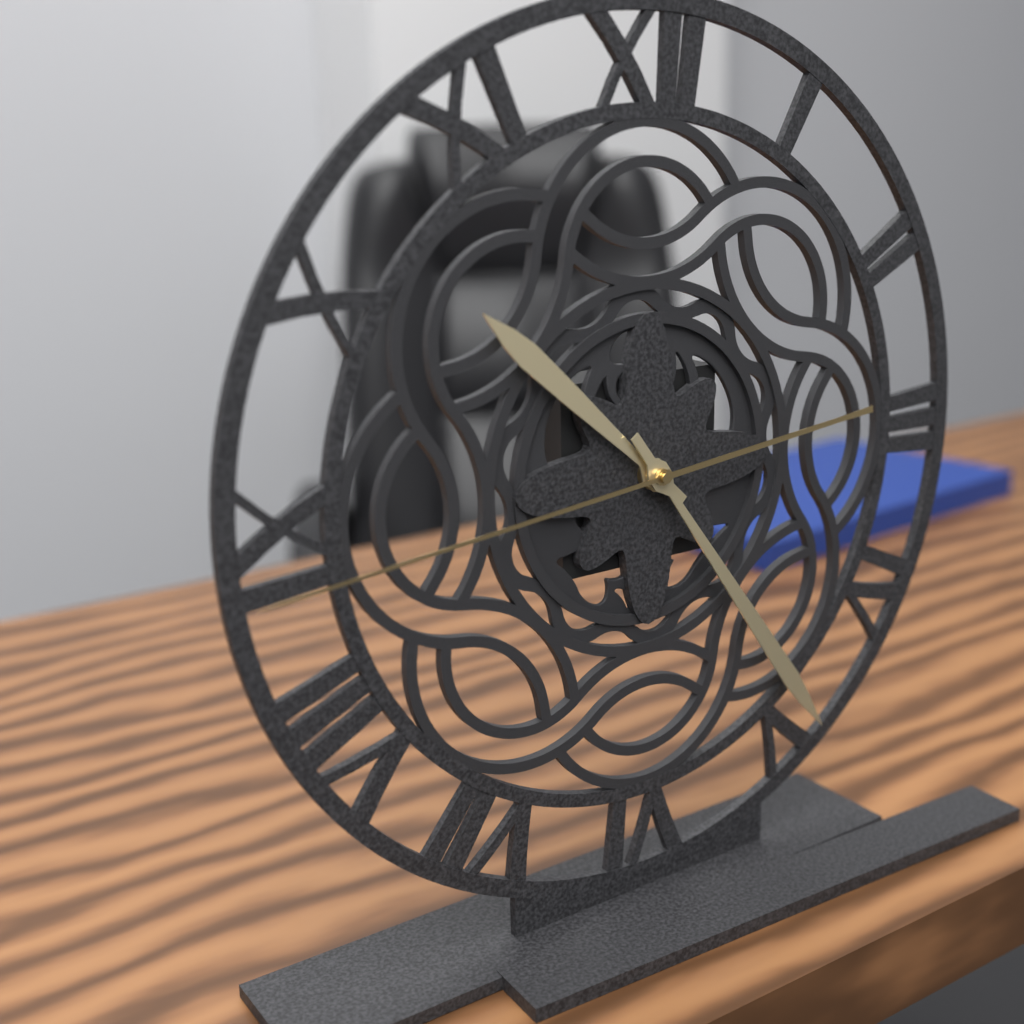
10:24:44
